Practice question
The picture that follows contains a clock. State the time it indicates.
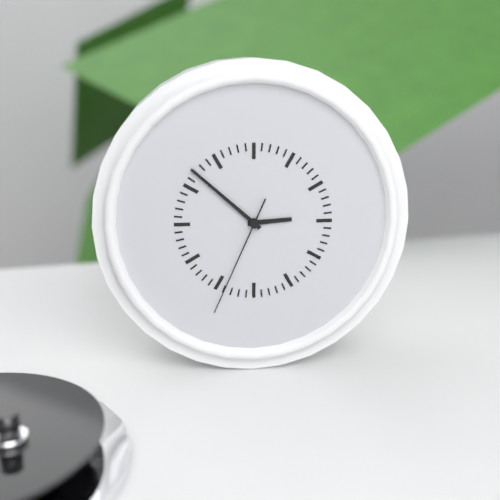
2:52:34
